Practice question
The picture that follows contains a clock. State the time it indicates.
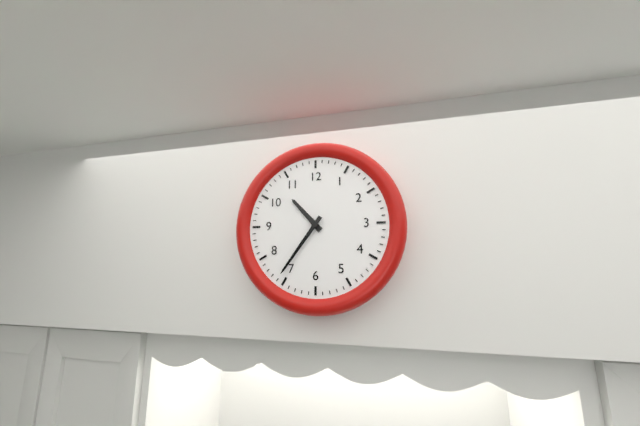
10:36
